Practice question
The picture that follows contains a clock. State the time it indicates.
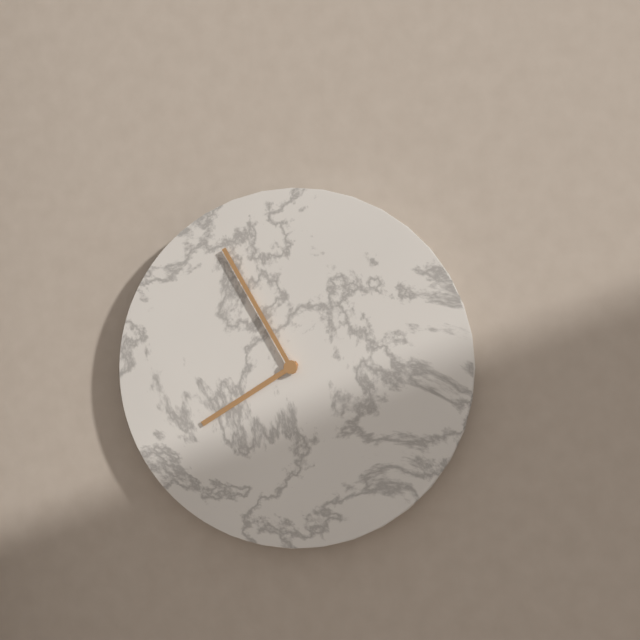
7:55
